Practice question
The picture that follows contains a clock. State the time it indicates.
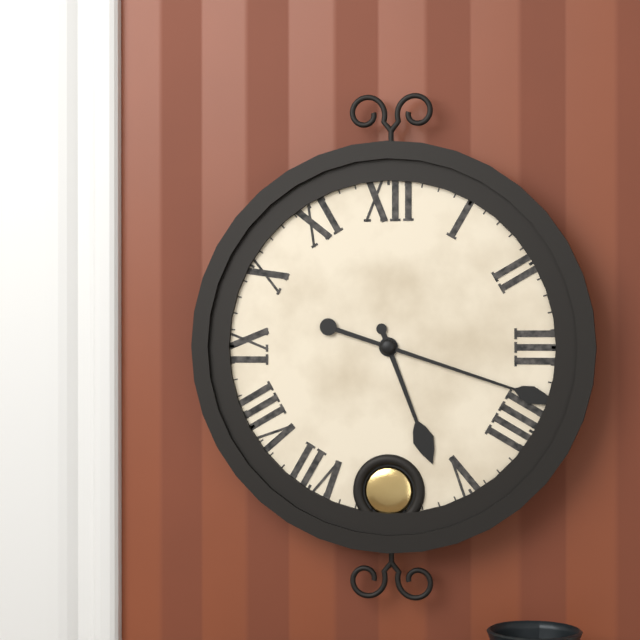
5:18
